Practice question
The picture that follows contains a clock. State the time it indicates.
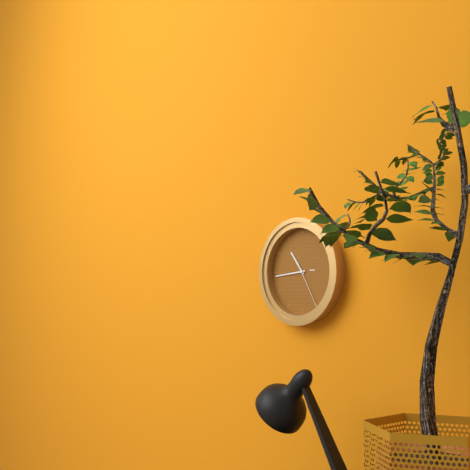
10:44
